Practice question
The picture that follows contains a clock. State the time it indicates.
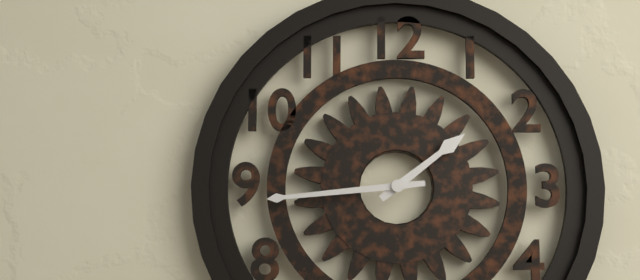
1:44
